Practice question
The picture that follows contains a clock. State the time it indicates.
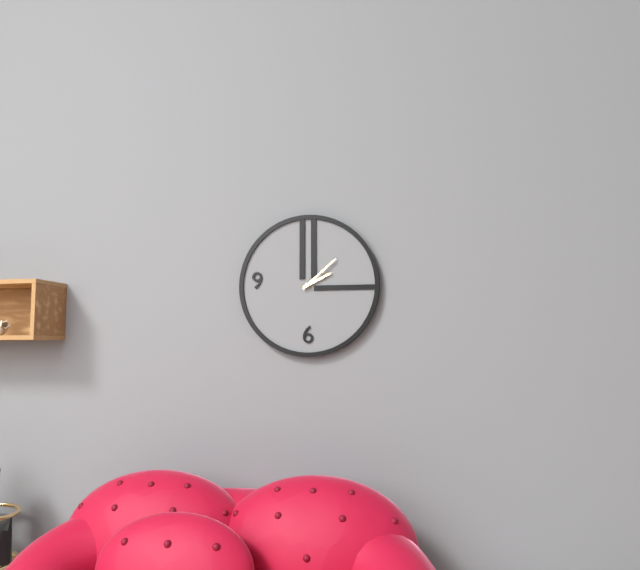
2:08
